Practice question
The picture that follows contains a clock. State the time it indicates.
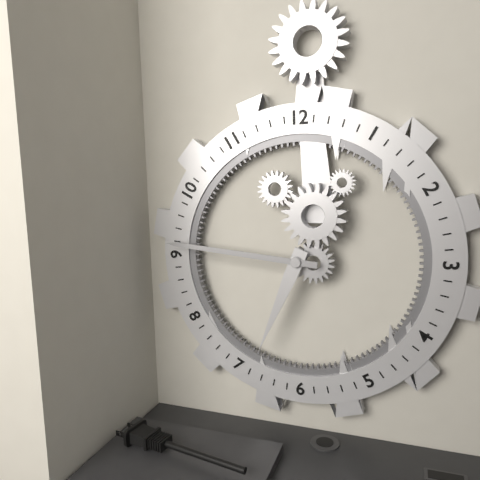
6:46
